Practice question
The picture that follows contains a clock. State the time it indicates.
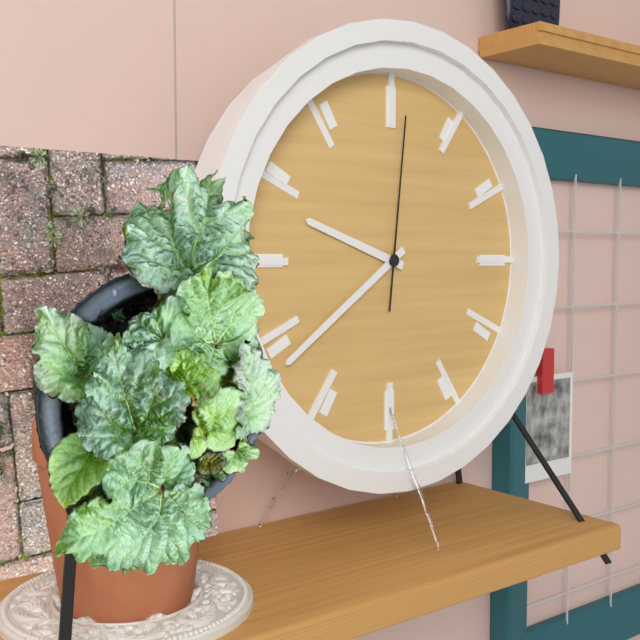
9:39:01
